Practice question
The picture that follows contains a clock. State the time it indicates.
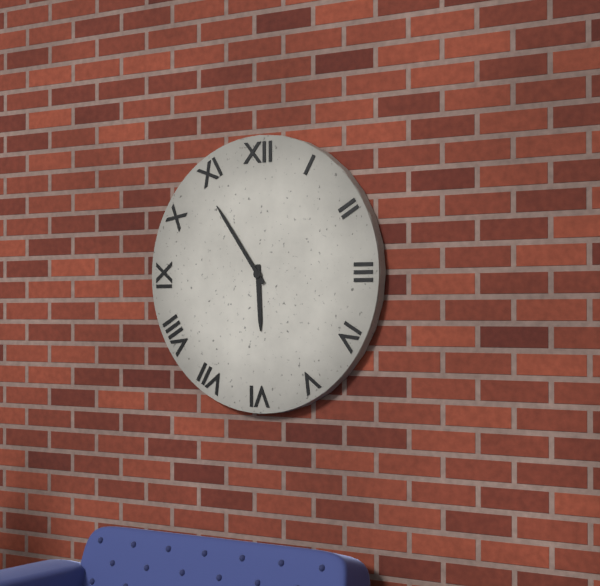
5:54
